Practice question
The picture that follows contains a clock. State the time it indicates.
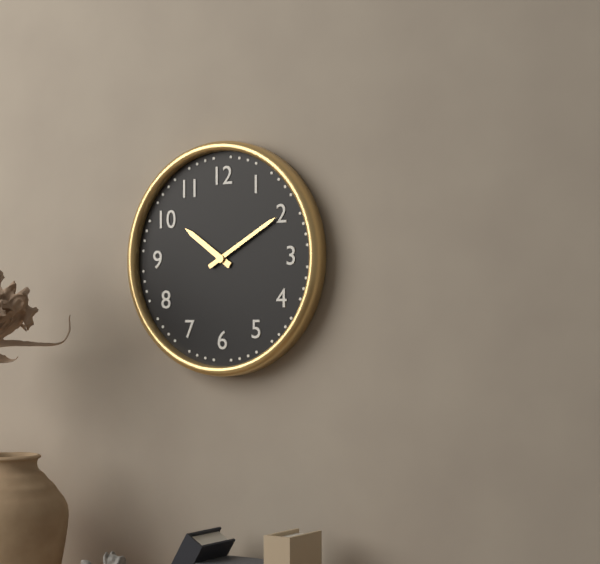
10:10
